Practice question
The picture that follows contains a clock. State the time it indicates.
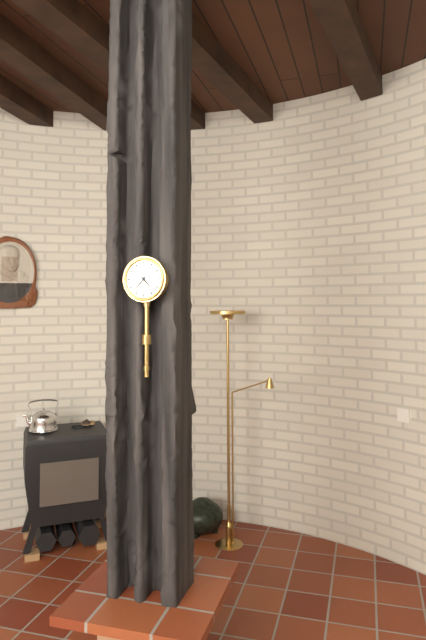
4:37
